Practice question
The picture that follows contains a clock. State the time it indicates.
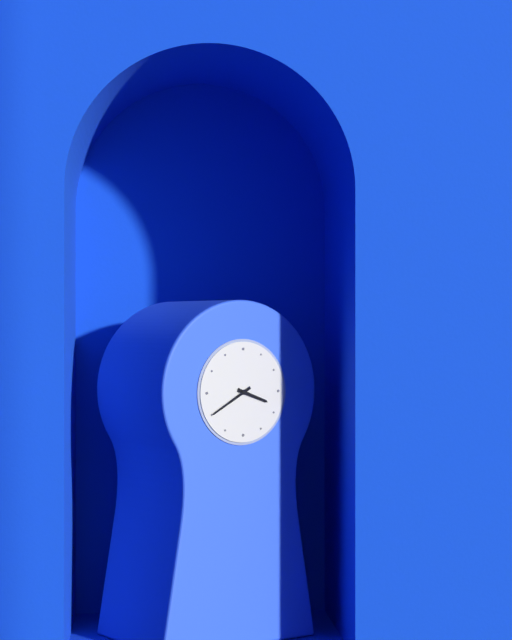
3:40
